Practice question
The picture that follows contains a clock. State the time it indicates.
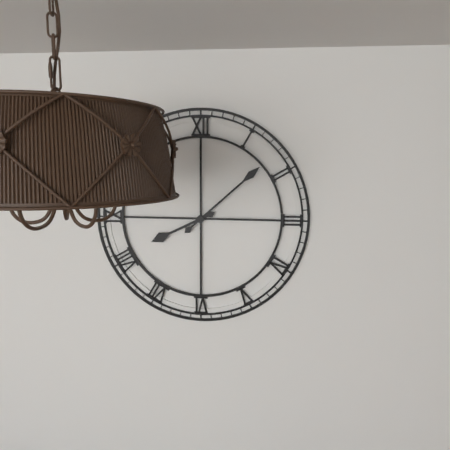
8:08
